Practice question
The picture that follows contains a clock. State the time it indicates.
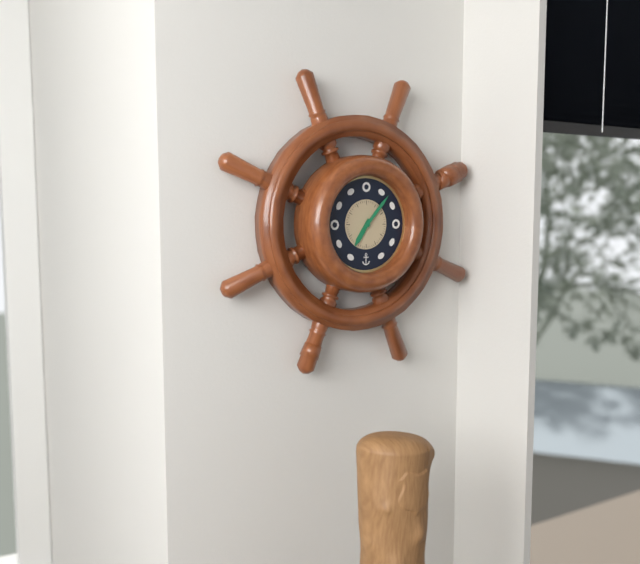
7:07
